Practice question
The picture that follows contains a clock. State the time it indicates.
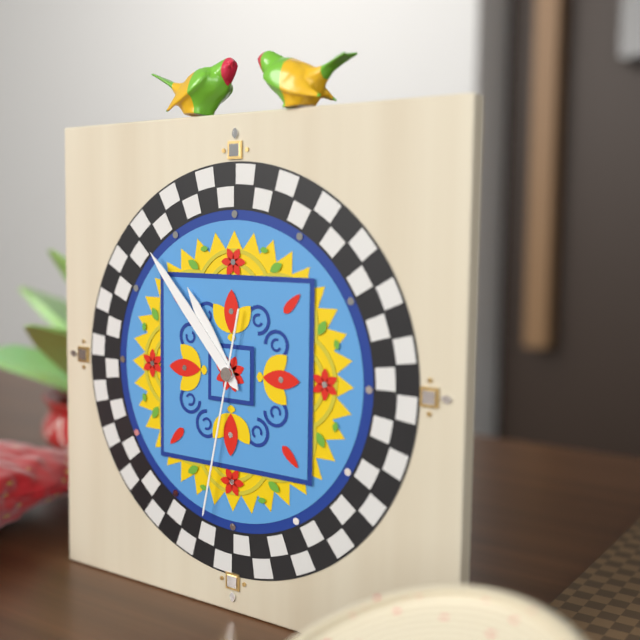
10:53:32
